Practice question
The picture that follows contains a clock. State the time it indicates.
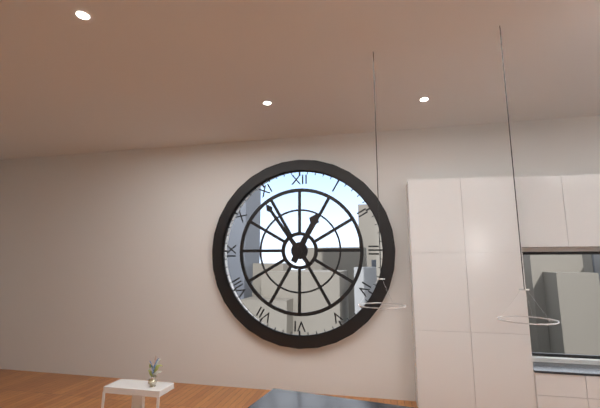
12:54
